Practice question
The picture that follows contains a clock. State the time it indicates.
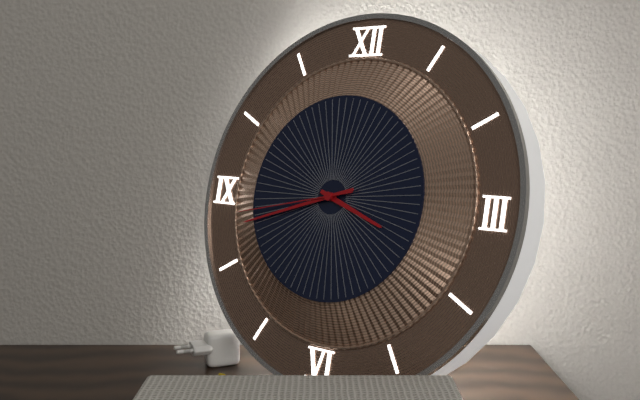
3:42:43
